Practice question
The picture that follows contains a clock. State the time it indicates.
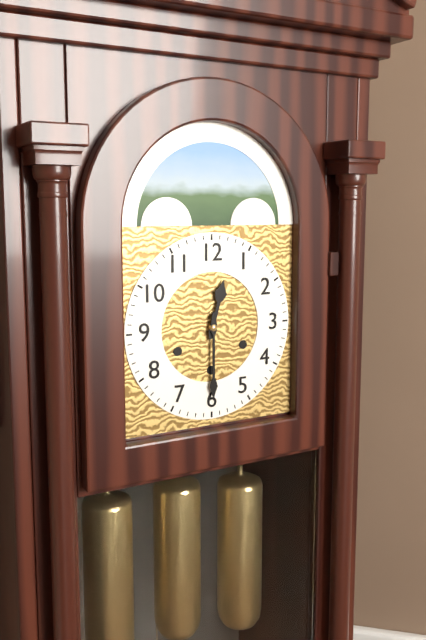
12:30
